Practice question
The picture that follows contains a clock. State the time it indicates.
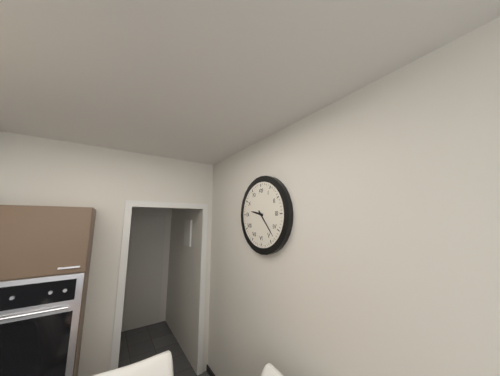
9:23
